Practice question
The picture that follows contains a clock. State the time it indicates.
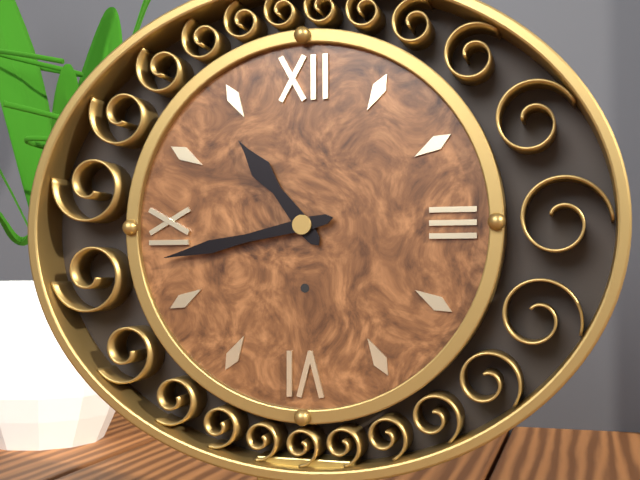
10:43
